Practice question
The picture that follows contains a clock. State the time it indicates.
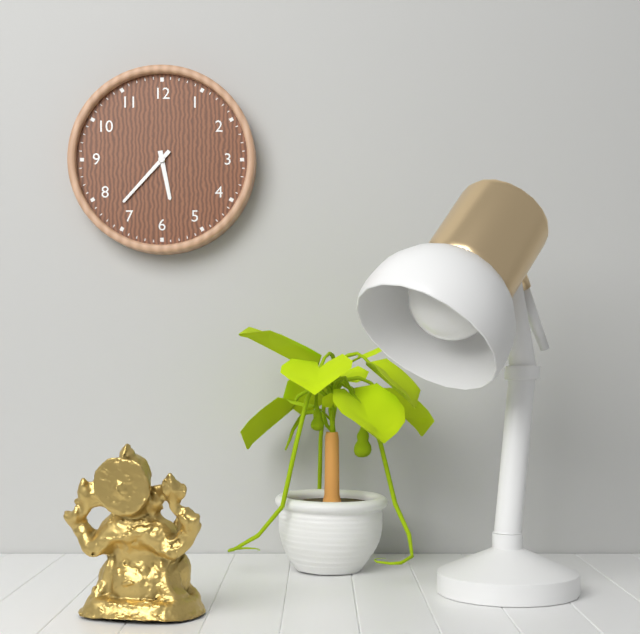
5:37
